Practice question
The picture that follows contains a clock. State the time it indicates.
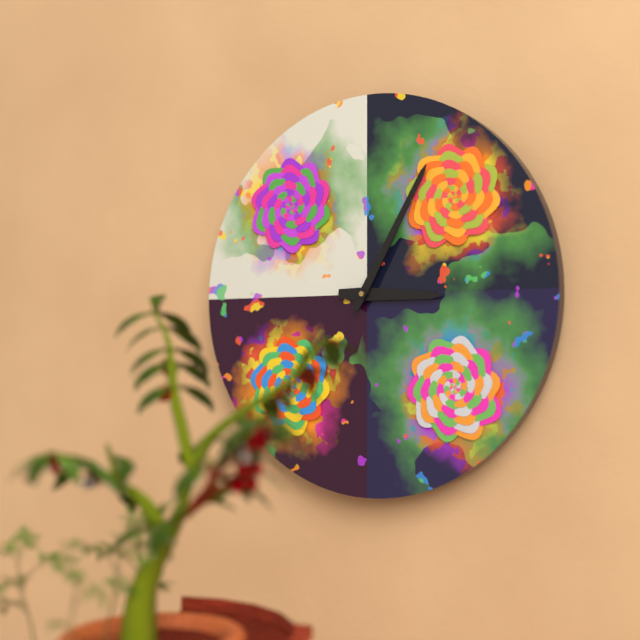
3:05
